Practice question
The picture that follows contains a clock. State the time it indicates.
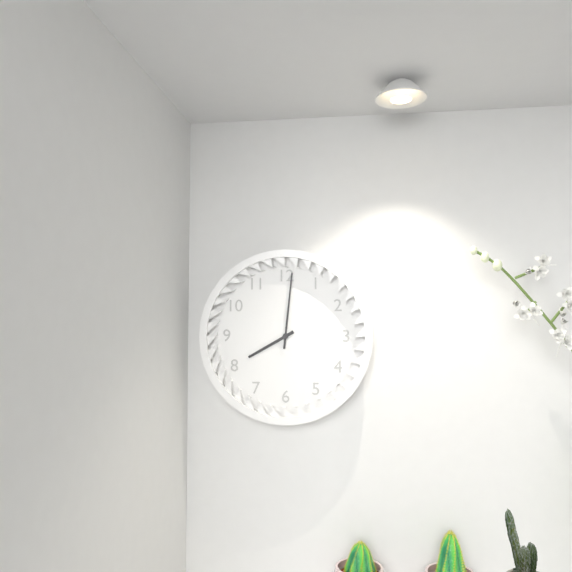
8:01
